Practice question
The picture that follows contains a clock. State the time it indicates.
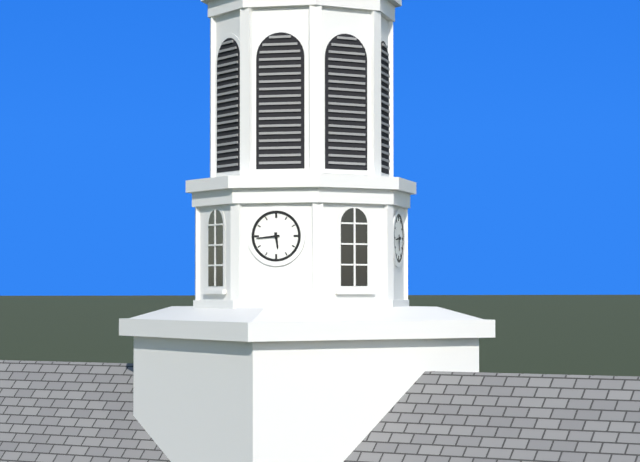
5:44
